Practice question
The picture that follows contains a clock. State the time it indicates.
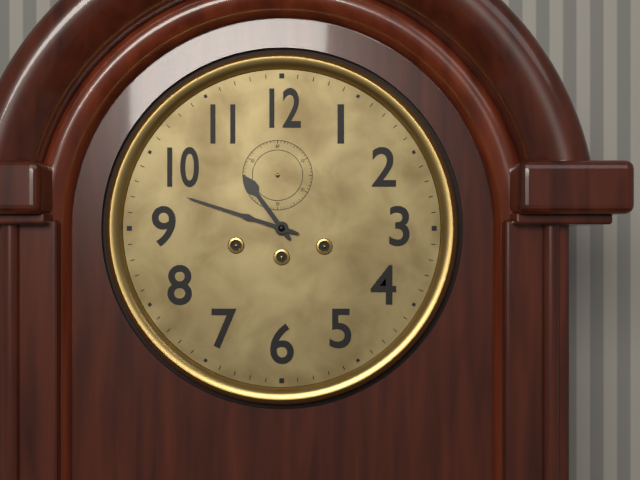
10:48
